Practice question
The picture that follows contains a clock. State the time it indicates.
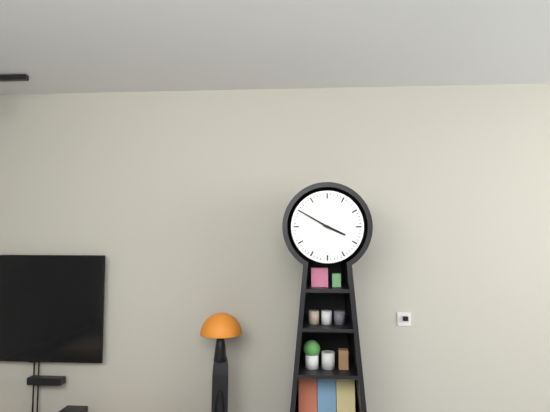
3:50
